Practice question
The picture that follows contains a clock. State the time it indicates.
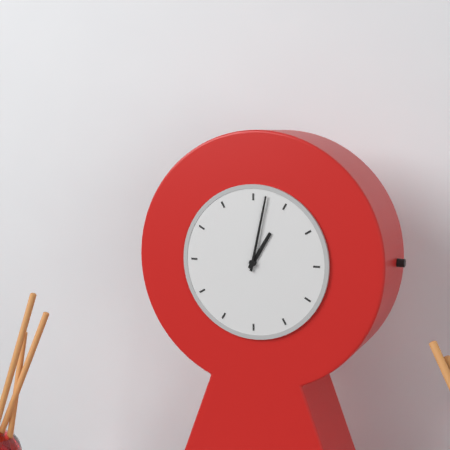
1:02
